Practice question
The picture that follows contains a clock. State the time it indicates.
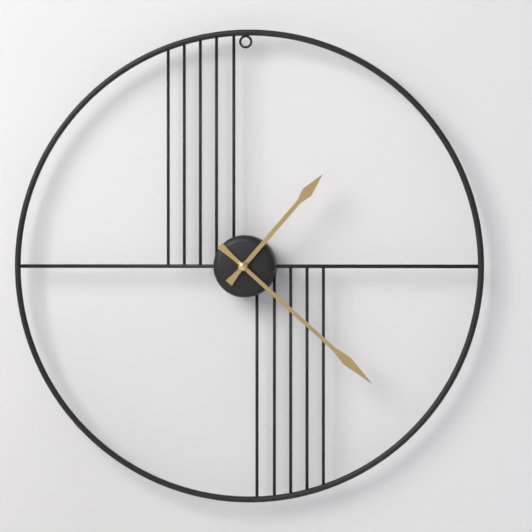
1:22
